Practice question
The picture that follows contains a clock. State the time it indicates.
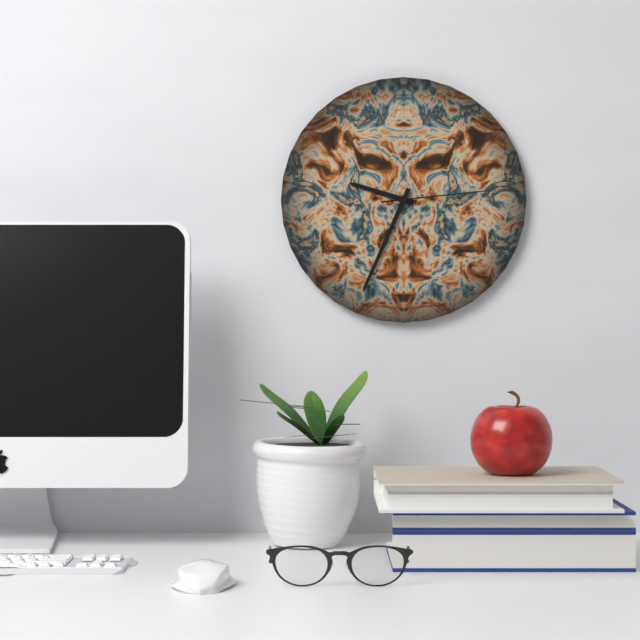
9:34:14
